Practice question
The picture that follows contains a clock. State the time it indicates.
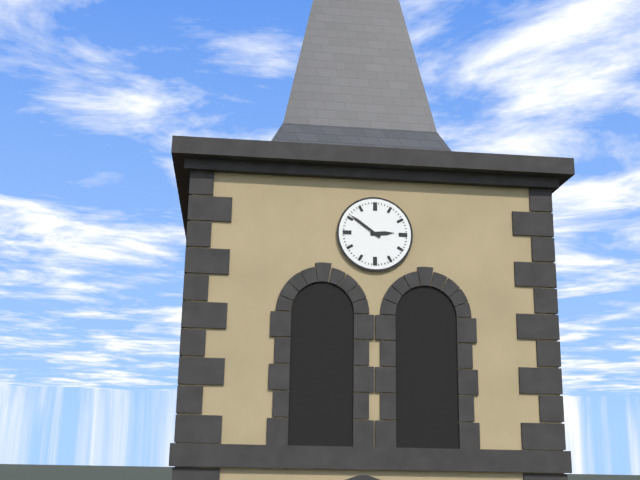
2:51
